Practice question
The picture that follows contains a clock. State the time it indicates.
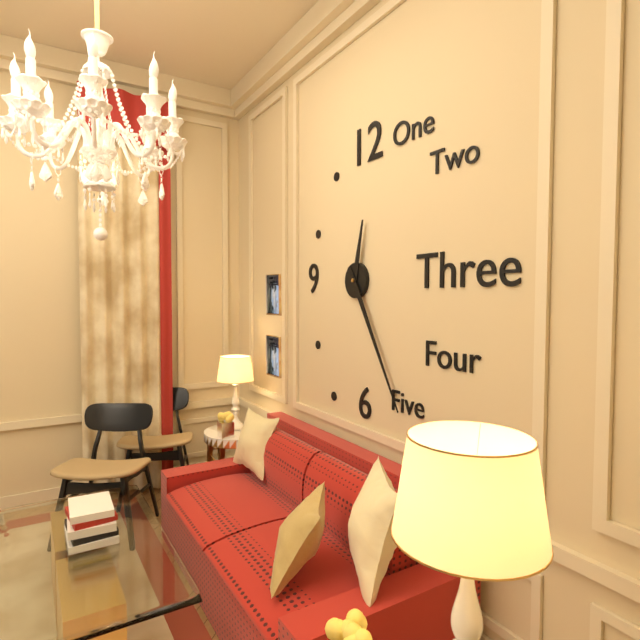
12:25
